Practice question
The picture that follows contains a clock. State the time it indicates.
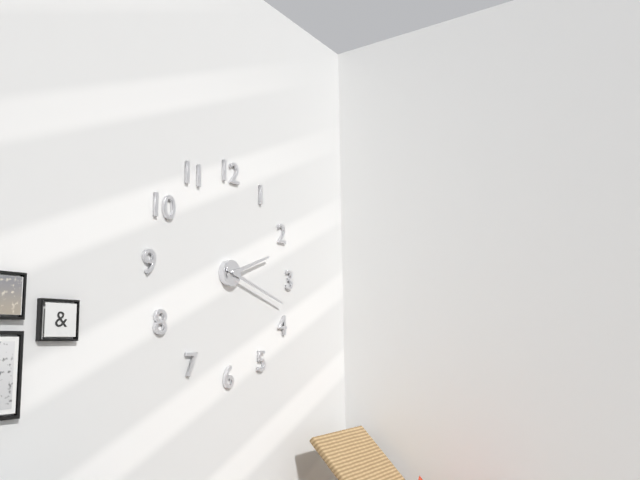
2:18
